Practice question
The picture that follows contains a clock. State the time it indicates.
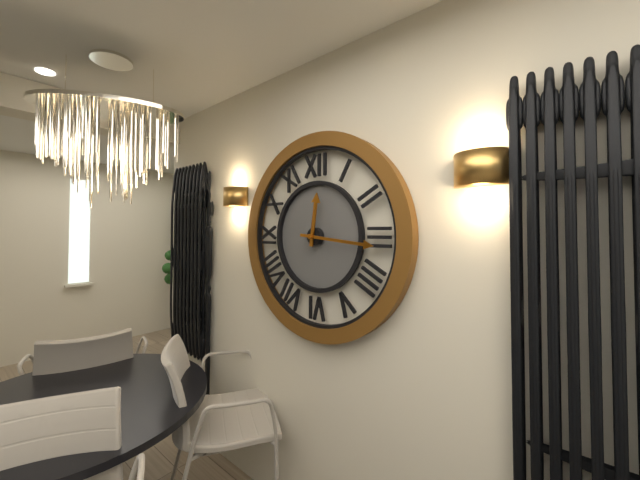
12:16
